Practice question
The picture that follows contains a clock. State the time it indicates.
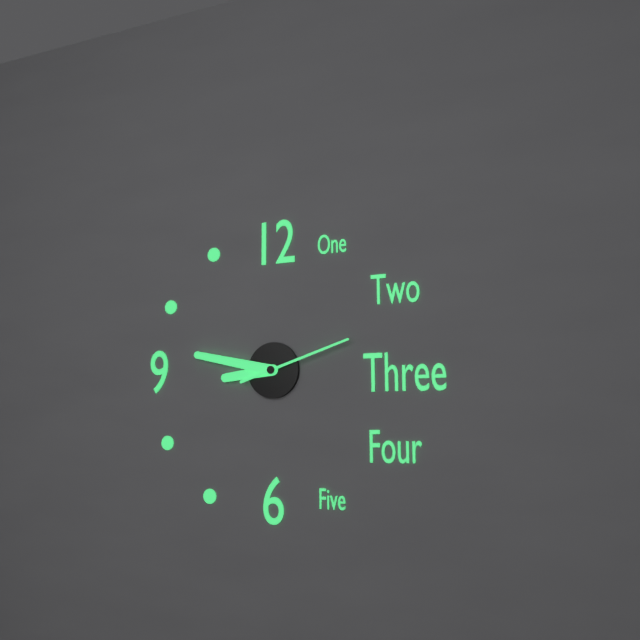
8:47:12
